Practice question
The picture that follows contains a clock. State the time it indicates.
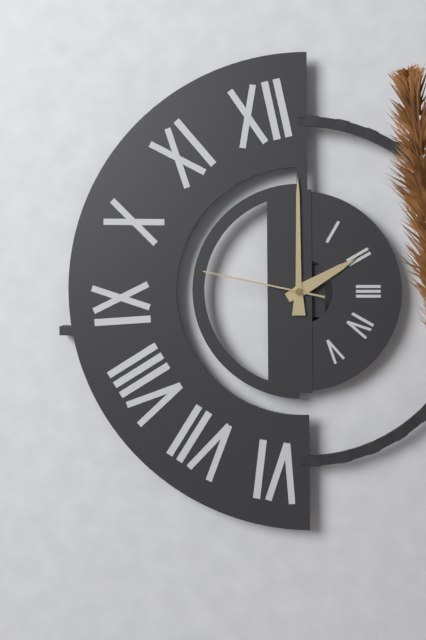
2:00:47
